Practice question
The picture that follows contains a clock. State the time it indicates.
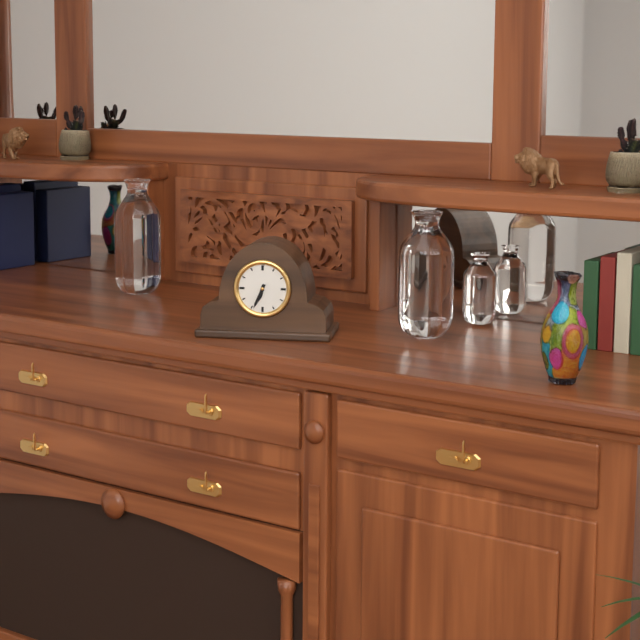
6:34
